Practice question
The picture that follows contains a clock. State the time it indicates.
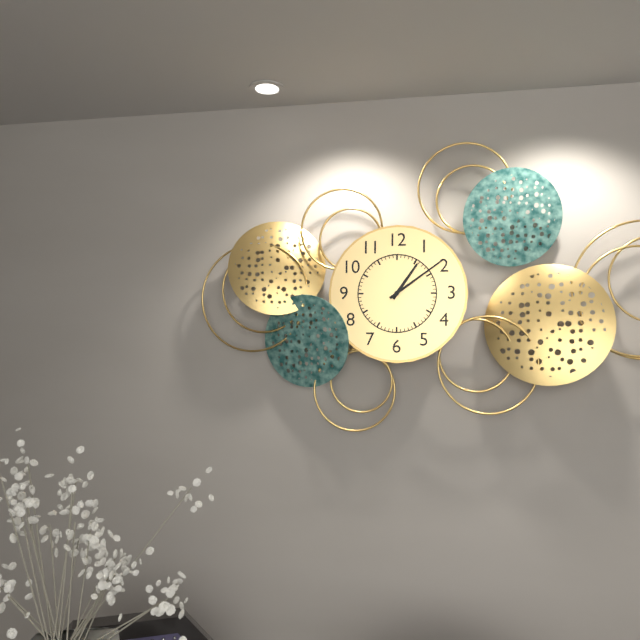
1:09
